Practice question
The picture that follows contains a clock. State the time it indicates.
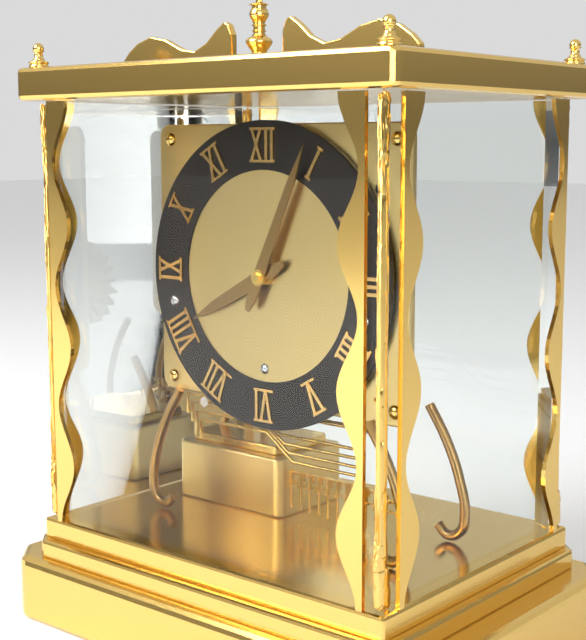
8:04
